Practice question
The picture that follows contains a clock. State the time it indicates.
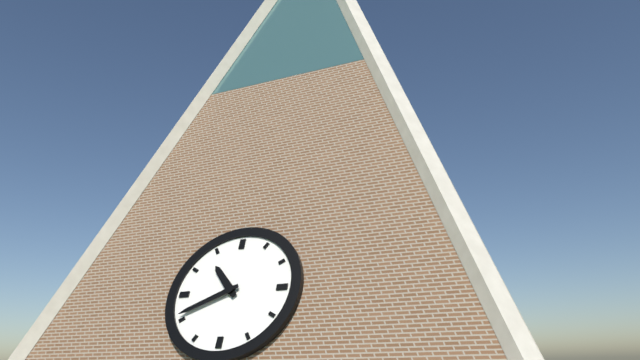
10:41
